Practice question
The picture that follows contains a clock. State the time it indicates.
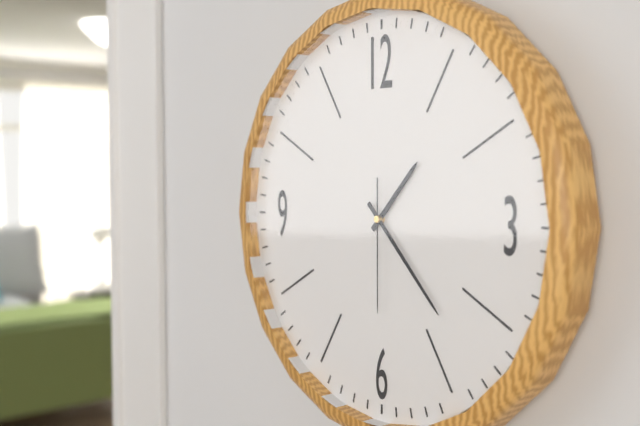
1:23:30
